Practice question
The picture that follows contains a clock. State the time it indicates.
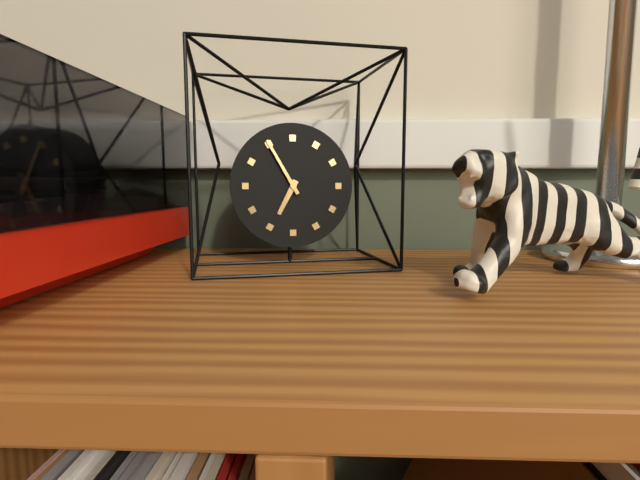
6:55
